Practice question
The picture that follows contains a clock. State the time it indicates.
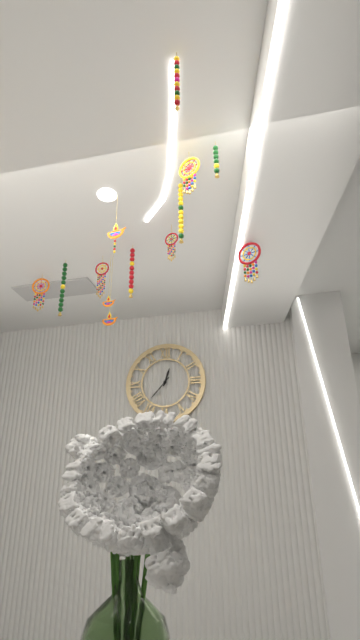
12:37
